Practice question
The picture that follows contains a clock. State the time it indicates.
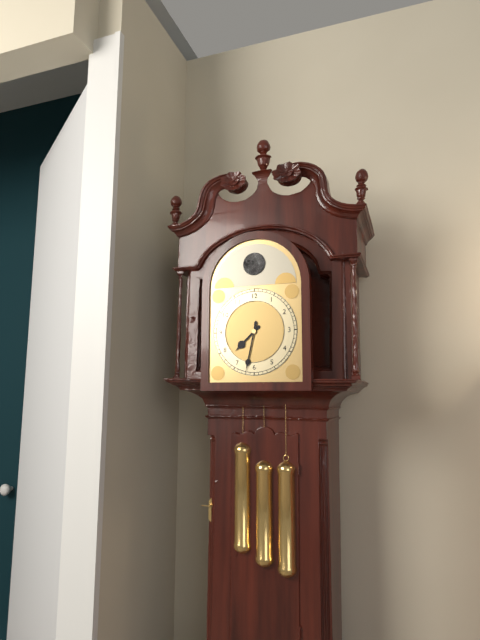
7:32
